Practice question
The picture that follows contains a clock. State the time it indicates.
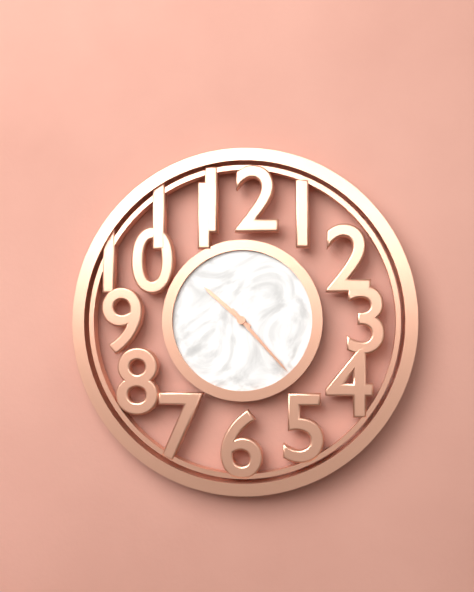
10:23
